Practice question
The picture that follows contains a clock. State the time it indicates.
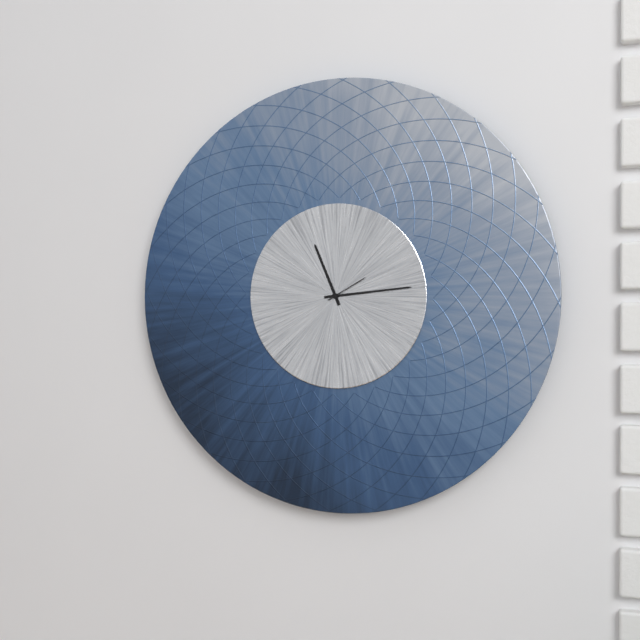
11:14
